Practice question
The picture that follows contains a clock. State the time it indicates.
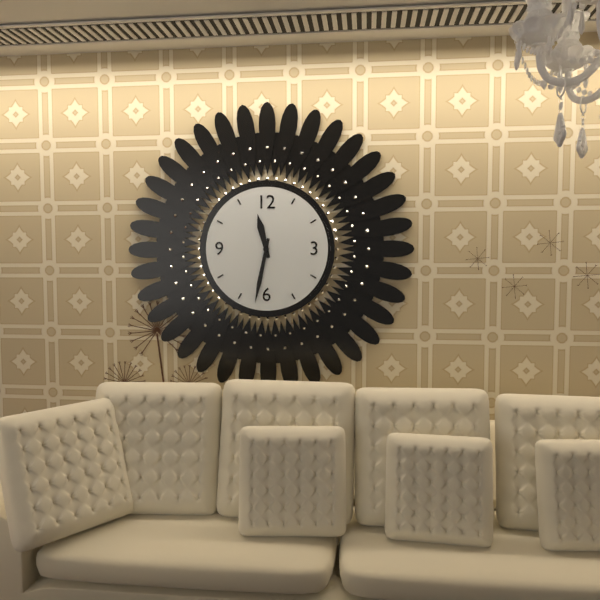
11:32
